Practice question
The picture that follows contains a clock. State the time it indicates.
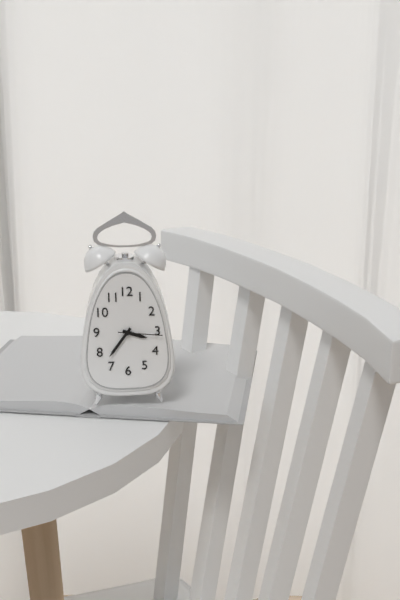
3:36
